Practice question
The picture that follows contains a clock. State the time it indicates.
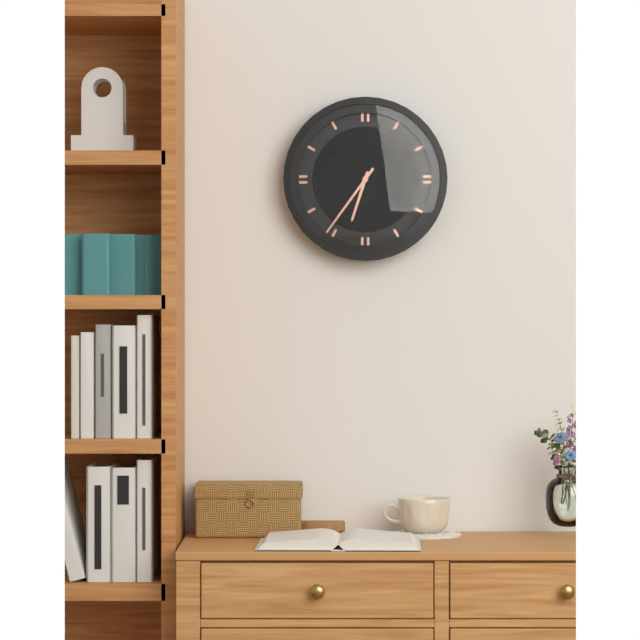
6:36
